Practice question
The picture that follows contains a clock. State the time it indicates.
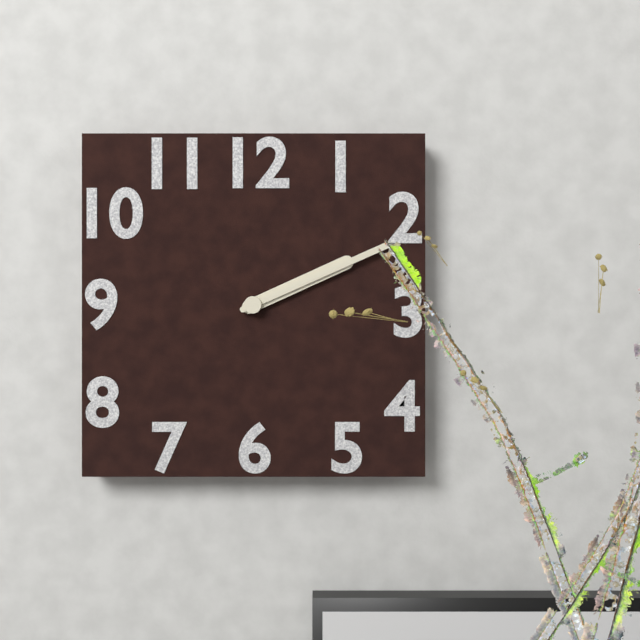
2:11
